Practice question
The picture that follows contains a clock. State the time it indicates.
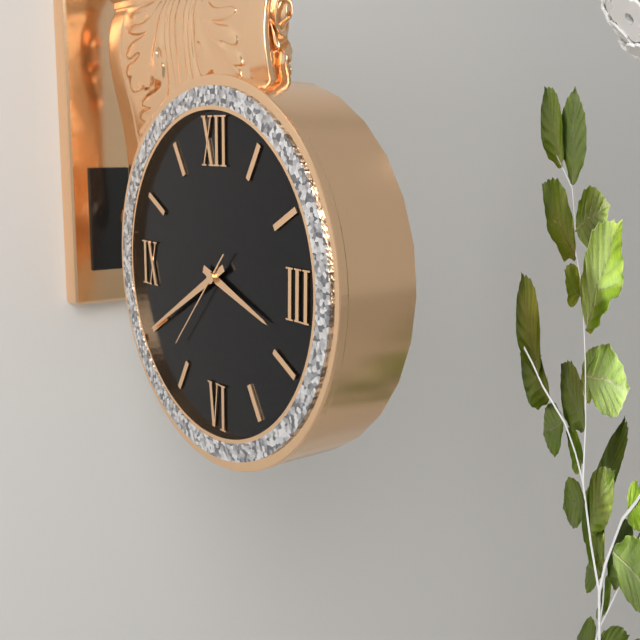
3:40:37
